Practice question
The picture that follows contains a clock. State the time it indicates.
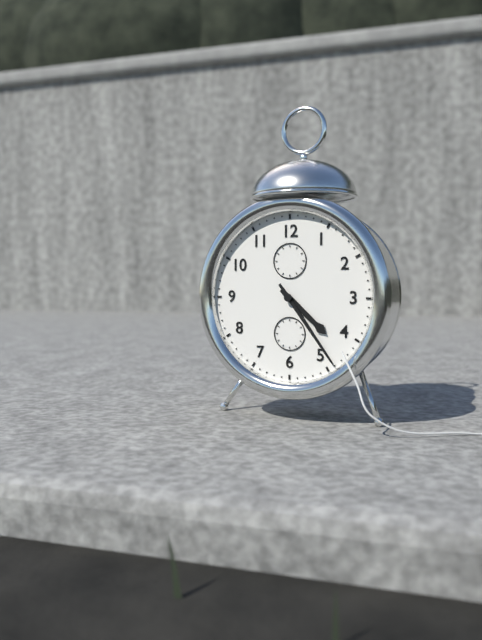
4:24
